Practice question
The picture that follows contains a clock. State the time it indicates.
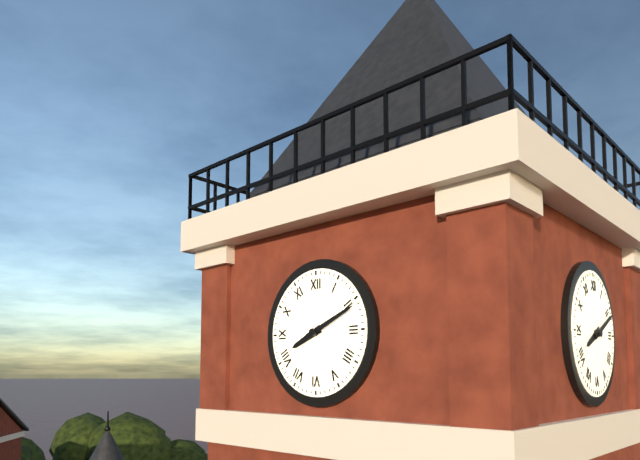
8:11
